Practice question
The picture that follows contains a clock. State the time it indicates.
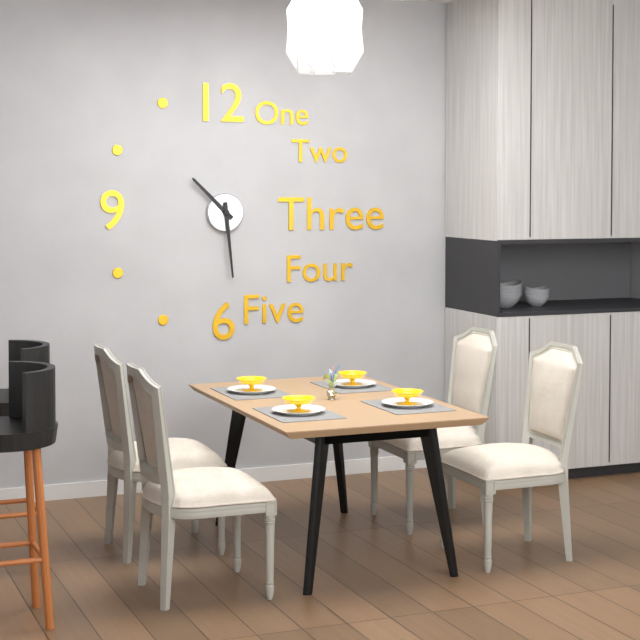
10:29
